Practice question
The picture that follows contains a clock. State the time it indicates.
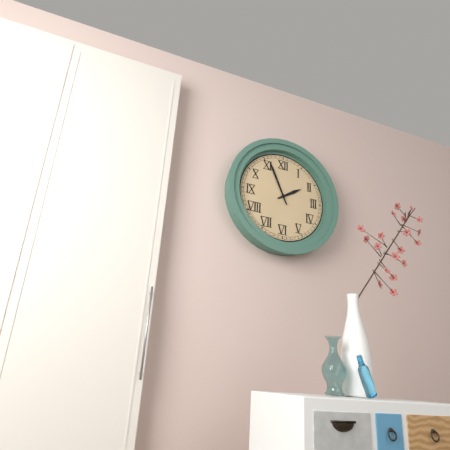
1:56
